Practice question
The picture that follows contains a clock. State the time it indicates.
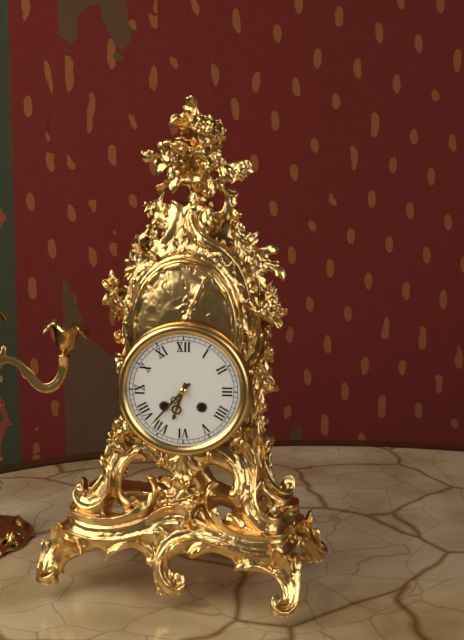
6:37
